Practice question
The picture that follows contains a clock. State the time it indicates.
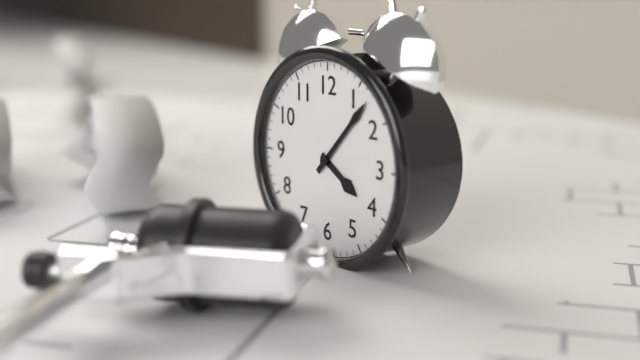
4:07
